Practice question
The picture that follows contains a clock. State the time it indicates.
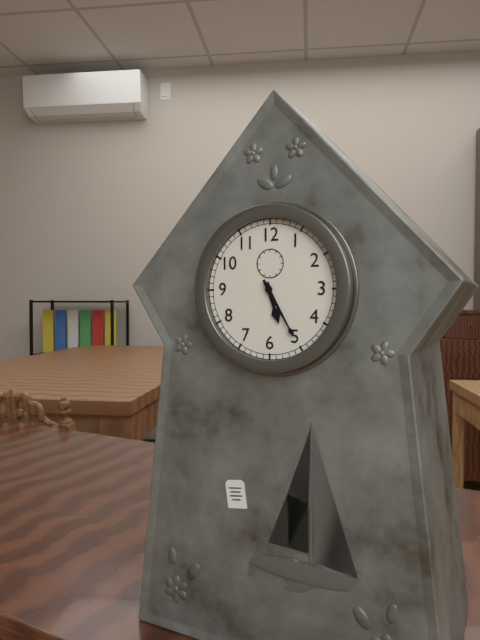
5:25
